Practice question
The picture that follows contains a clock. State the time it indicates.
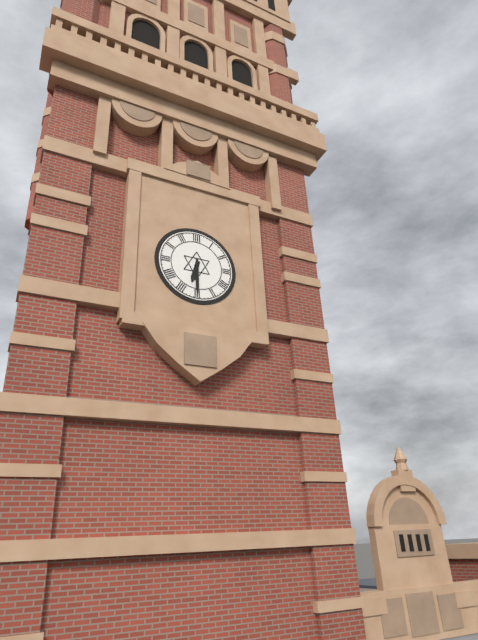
6:30
